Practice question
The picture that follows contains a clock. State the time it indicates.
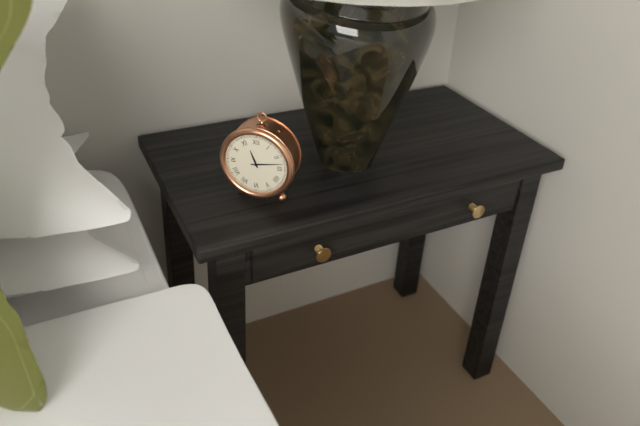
11:13
